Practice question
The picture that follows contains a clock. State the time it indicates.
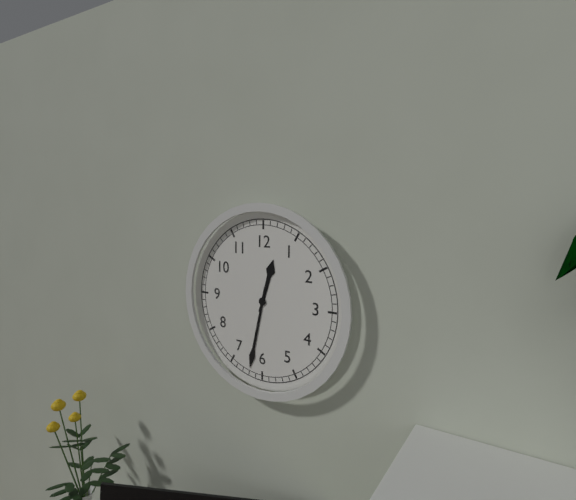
12:32
